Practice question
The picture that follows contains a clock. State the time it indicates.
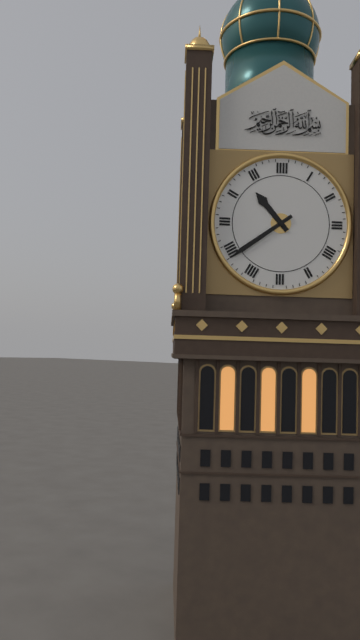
10:39
